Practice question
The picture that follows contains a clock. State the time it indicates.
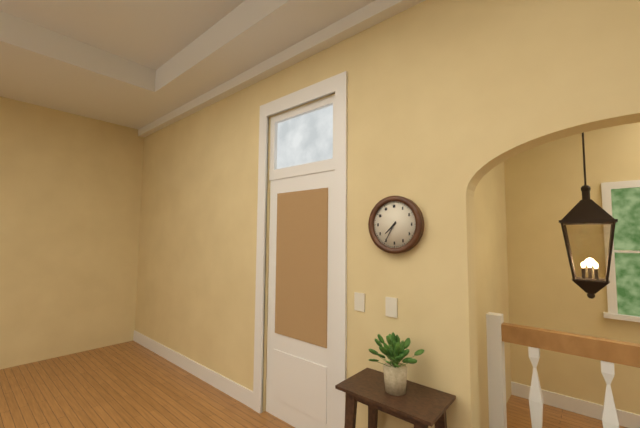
7:35
